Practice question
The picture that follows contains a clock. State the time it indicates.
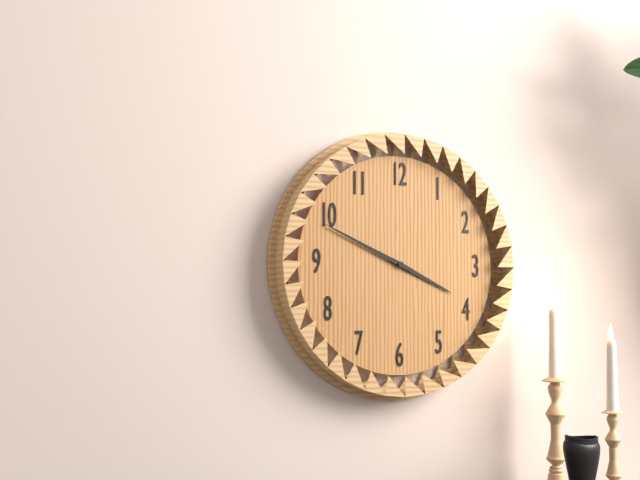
3:49
